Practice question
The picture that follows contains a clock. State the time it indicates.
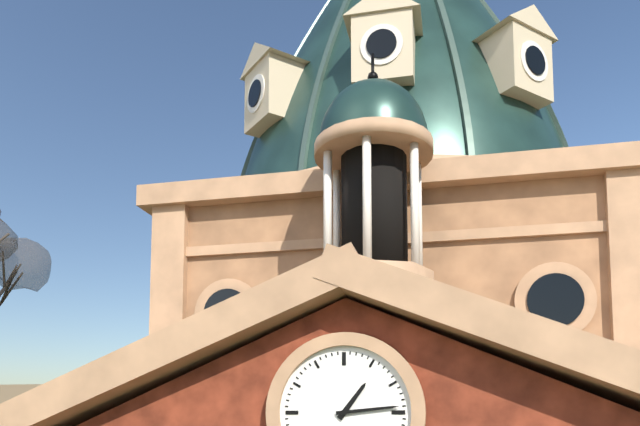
1:14
